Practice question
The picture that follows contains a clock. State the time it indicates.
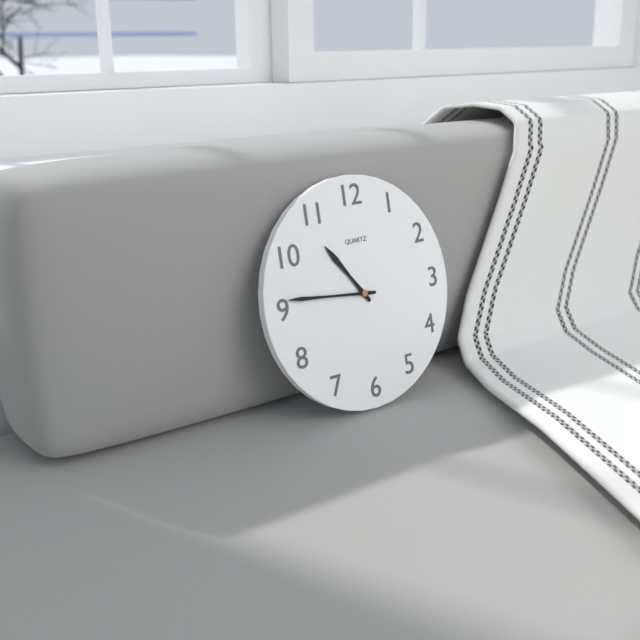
10:46
